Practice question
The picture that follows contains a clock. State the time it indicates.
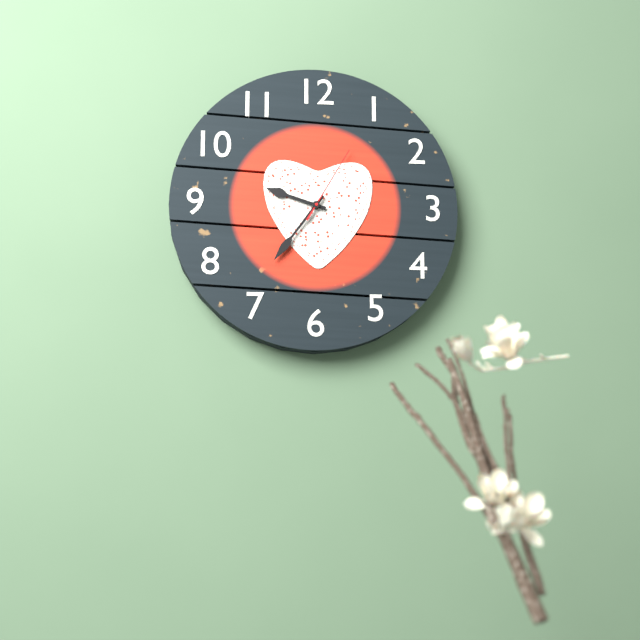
9:36:05
